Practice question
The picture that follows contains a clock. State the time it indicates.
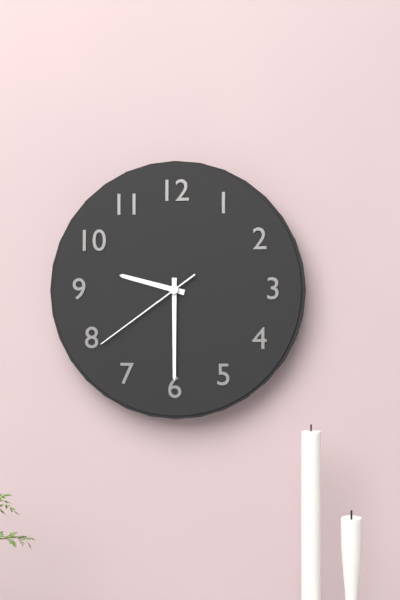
9:30:39
